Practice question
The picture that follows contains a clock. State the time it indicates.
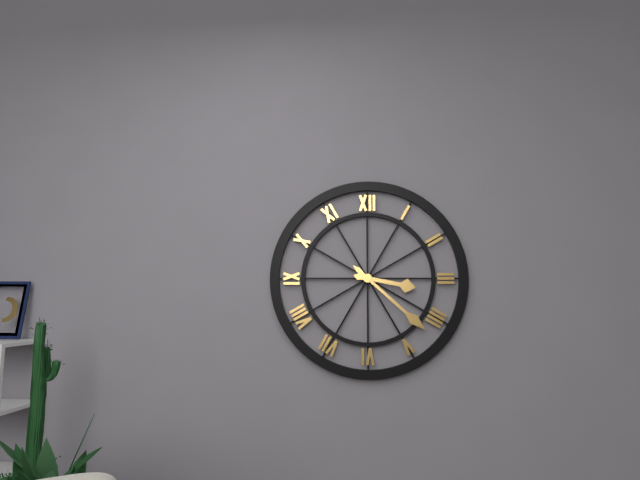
3:22
